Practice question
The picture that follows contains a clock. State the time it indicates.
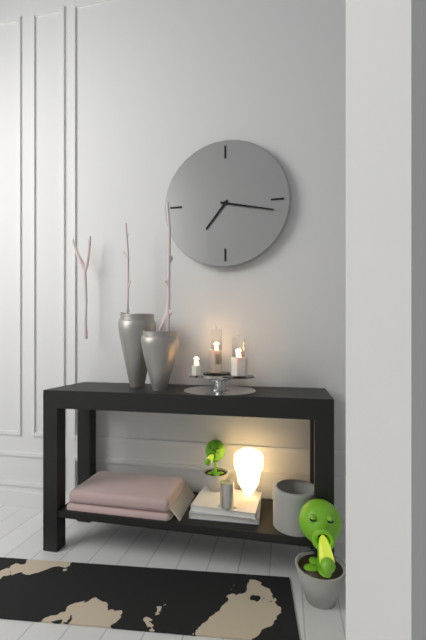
7:17
